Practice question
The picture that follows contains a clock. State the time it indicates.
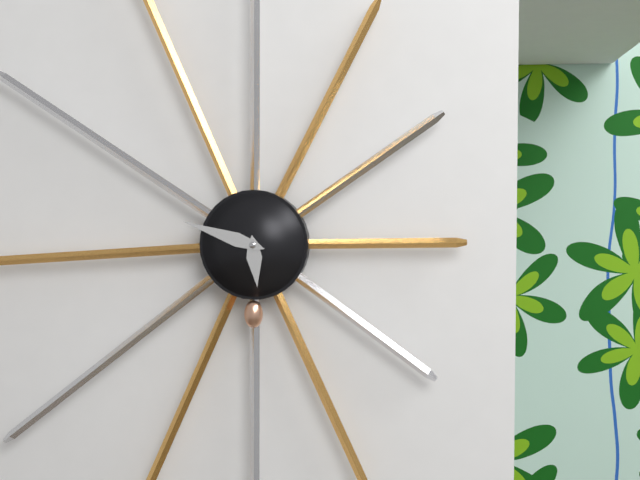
5:48
